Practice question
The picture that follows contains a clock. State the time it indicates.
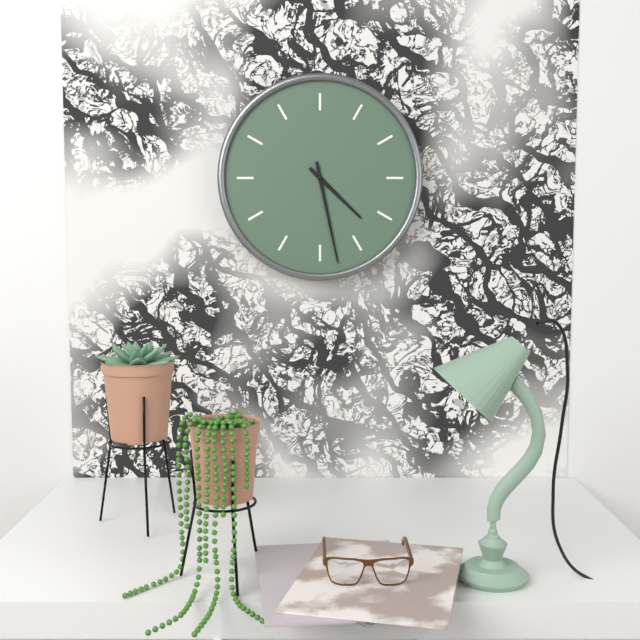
4:28
